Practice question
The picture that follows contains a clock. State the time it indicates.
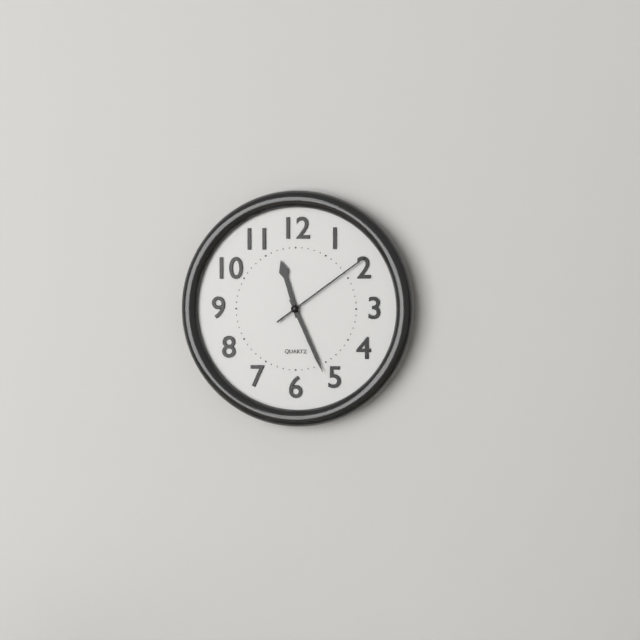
11:26:09
